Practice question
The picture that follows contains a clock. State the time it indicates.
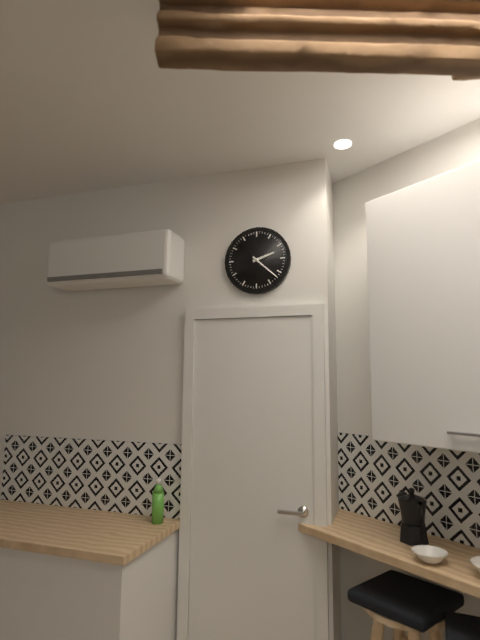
2:22
